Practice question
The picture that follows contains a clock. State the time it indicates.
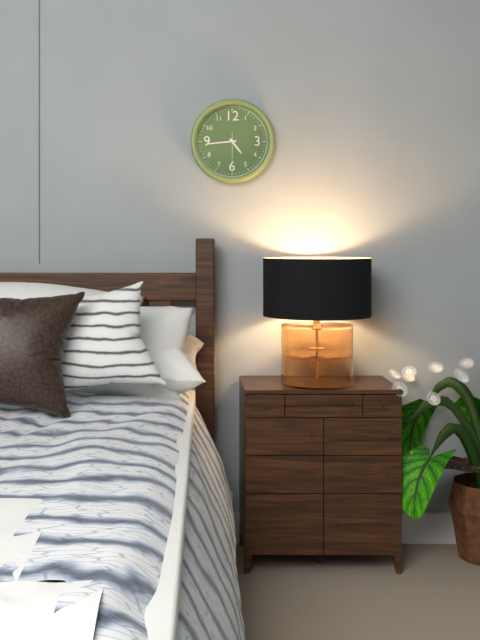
4:44
